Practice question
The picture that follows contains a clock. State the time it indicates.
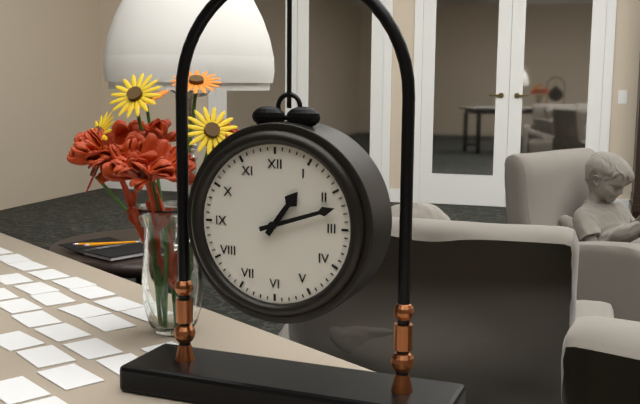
1:12
